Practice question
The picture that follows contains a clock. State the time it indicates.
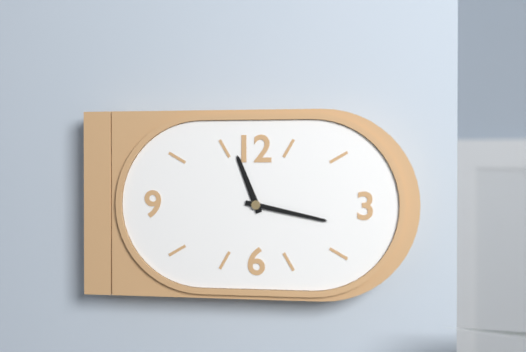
11:17
